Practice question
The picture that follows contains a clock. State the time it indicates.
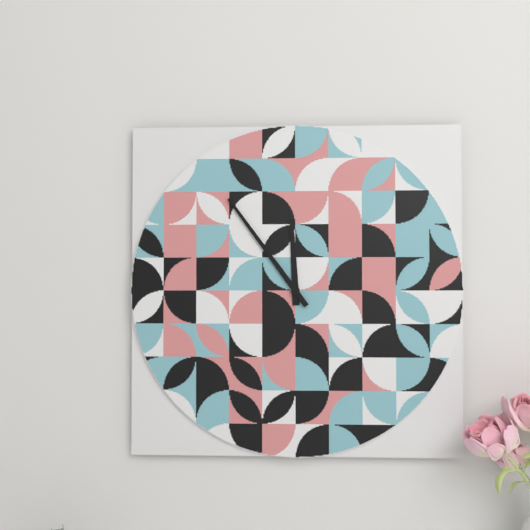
11:54
